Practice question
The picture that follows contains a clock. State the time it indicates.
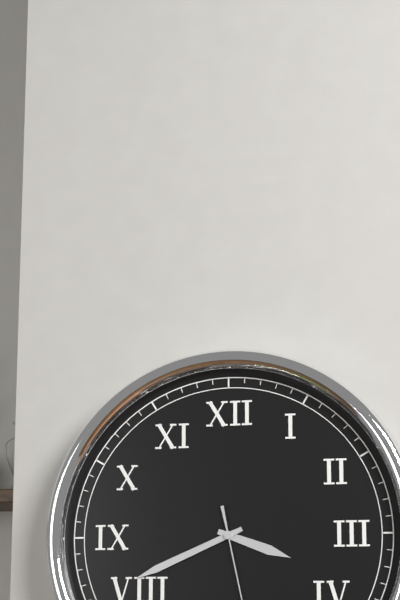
3:41
